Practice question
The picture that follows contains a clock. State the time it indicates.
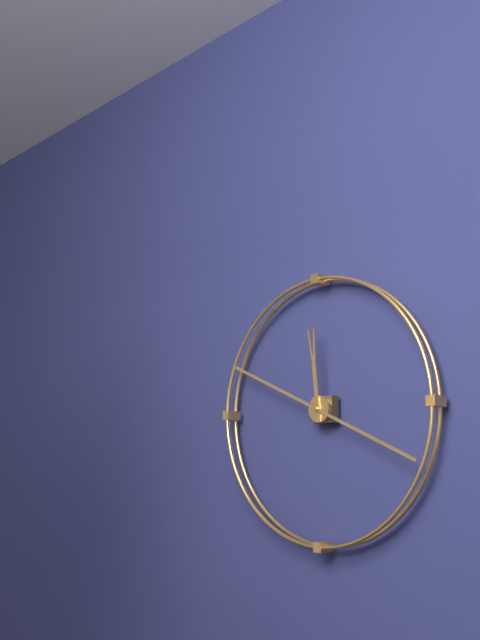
11:49
